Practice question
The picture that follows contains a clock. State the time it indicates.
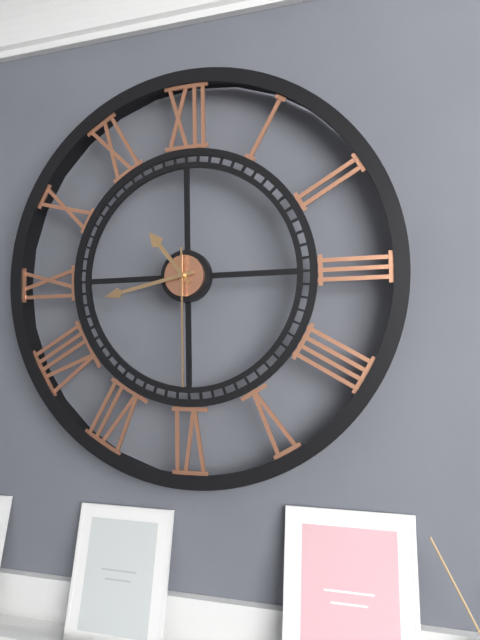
10:43:30
